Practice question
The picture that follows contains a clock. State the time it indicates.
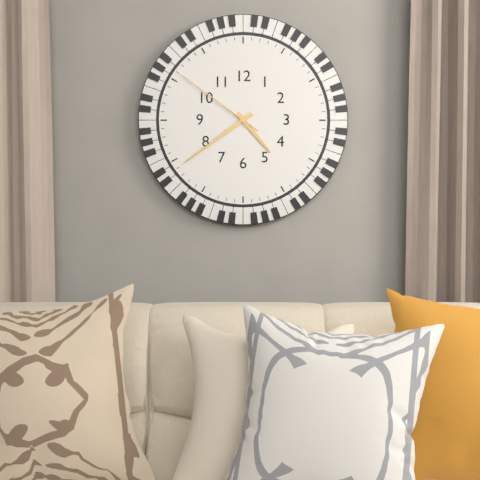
4:39:51
